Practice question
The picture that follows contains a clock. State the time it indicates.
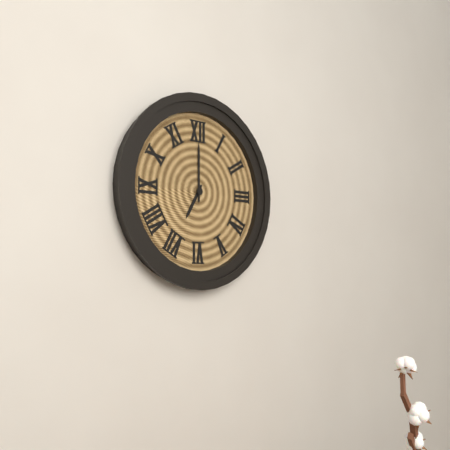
7:00
